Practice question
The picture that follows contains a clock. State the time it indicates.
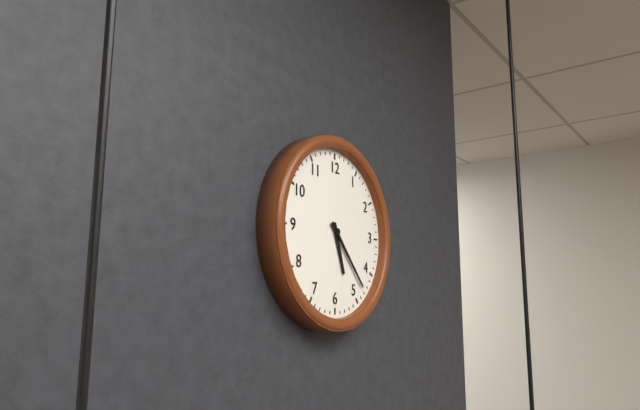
5:23
